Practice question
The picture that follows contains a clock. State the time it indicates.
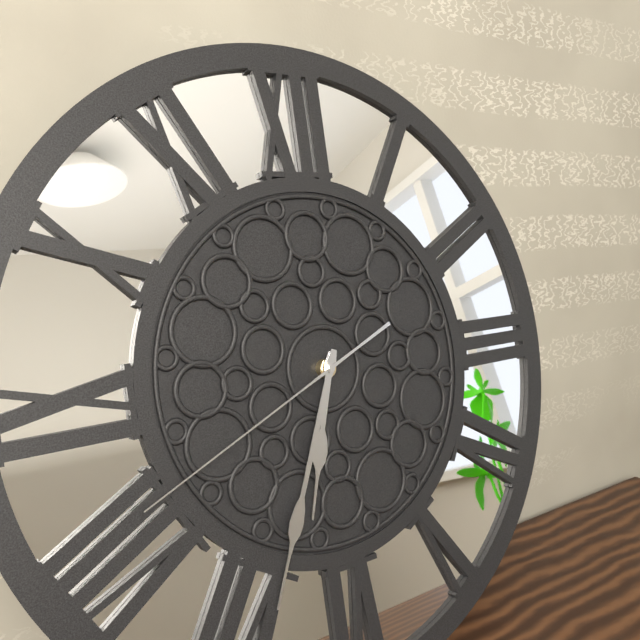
6:34:41
